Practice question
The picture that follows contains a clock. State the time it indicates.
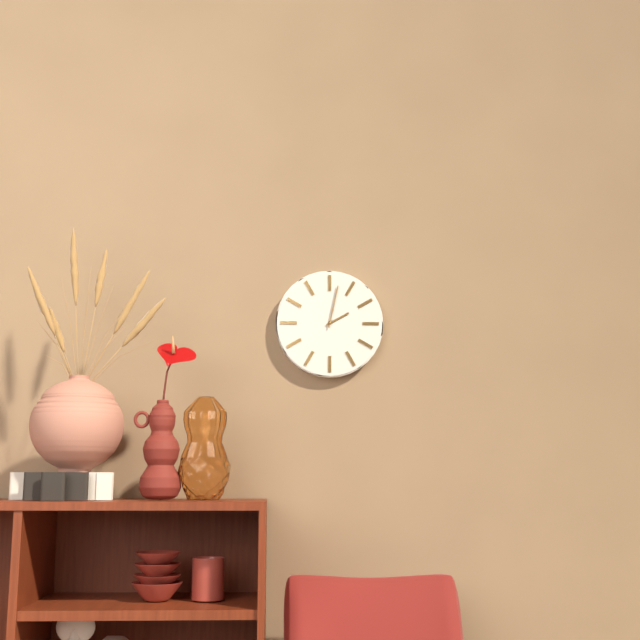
2:02
